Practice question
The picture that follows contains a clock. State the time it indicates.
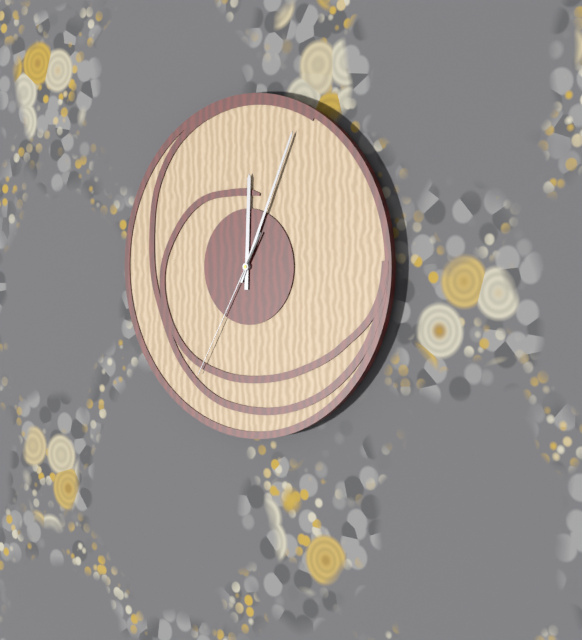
12:04:35
